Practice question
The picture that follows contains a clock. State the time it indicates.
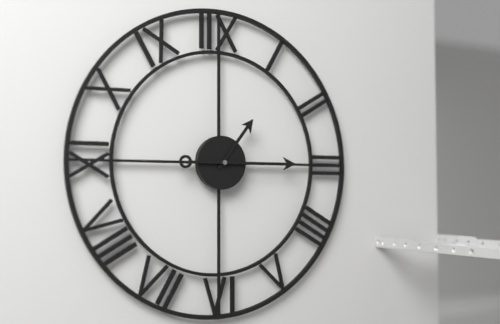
1:15
